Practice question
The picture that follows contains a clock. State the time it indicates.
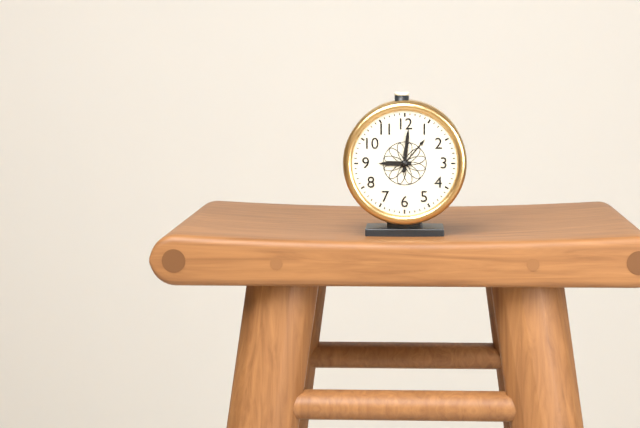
9:01
